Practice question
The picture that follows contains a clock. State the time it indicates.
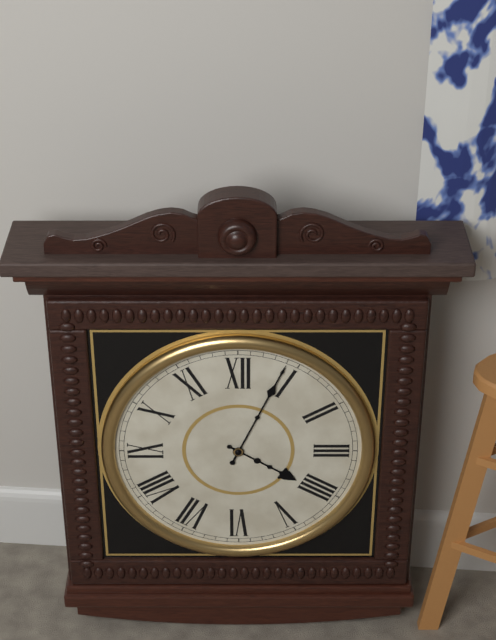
4:04
